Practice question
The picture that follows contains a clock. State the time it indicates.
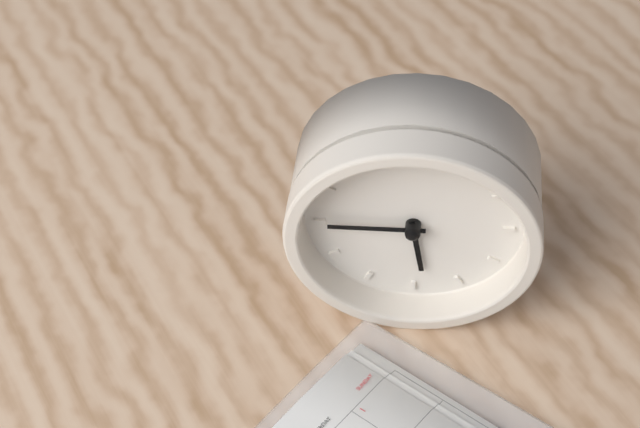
5:45
